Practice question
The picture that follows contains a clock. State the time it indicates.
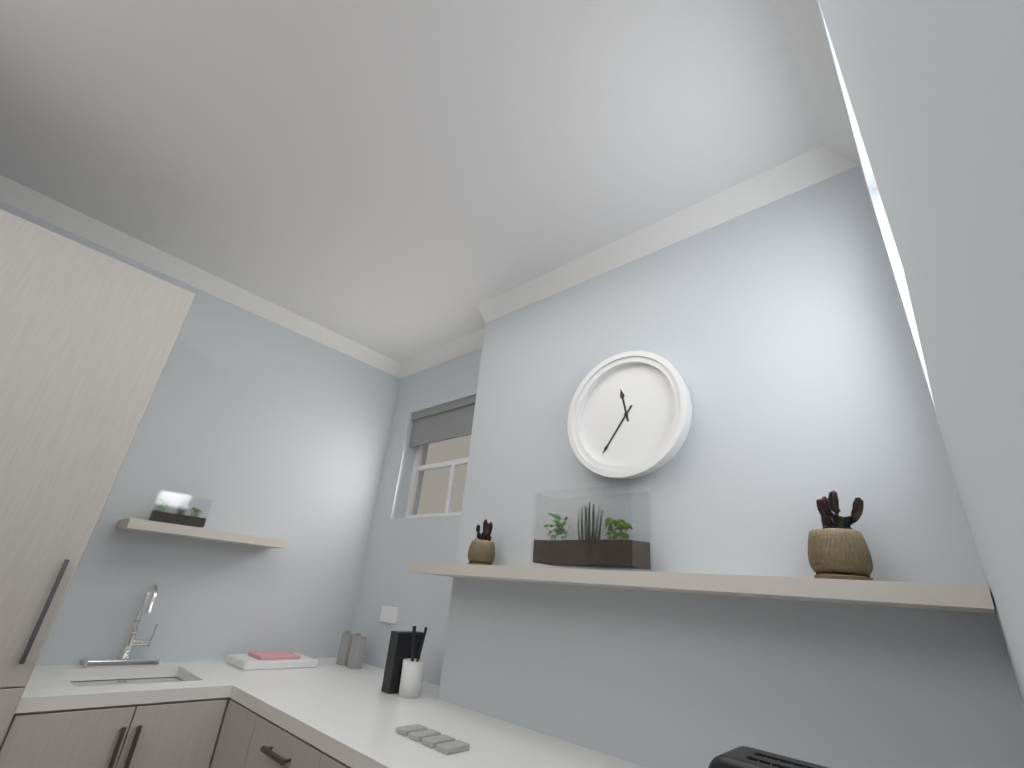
11:36
